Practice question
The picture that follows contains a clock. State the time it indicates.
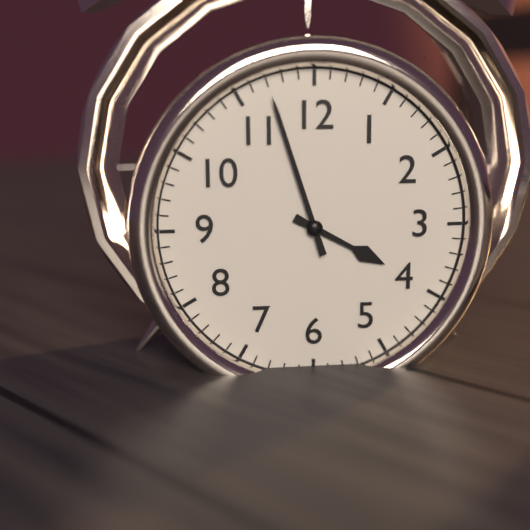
3:57
